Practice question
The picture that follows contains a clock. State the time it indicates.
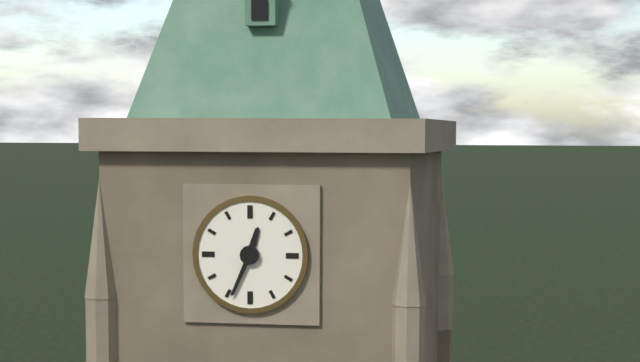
12:34
